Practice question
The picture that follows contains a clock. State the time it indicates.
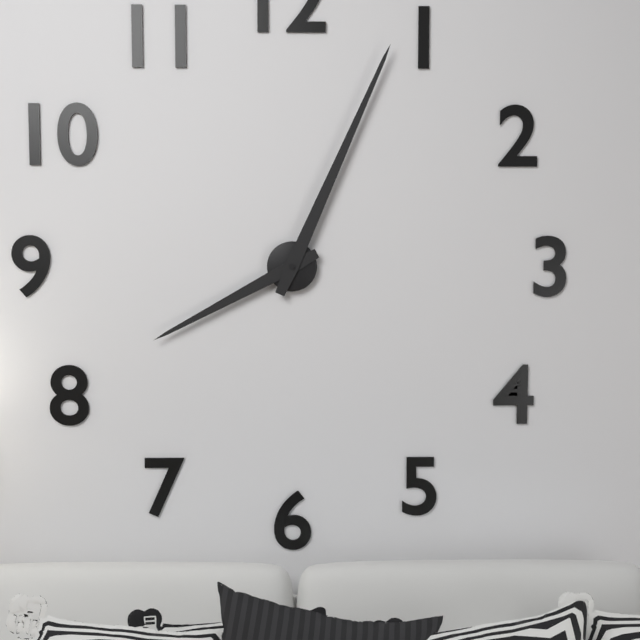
8:04
